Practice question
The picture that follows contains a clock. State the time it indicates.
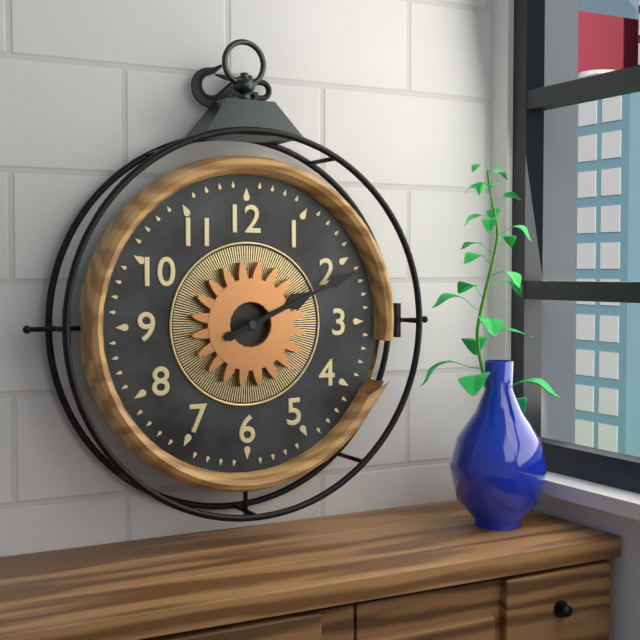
2:11
